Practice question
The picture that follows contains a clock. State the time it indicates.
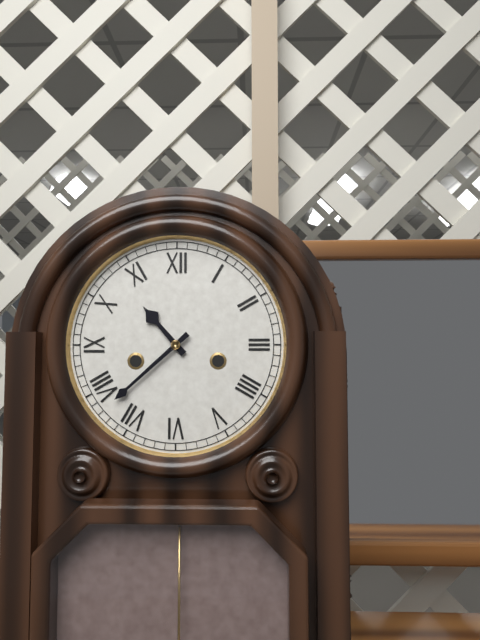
10:38
